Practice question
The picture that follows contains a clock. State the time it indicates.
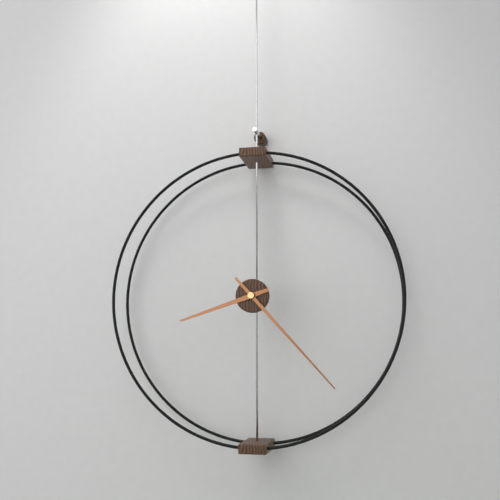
8:23
